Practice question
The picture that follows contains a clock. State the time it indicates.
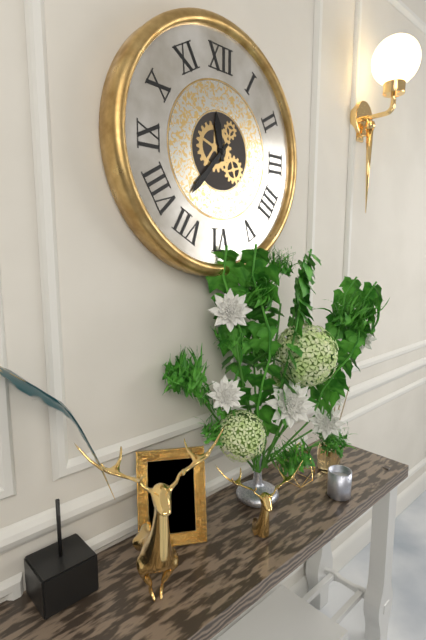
11:37
